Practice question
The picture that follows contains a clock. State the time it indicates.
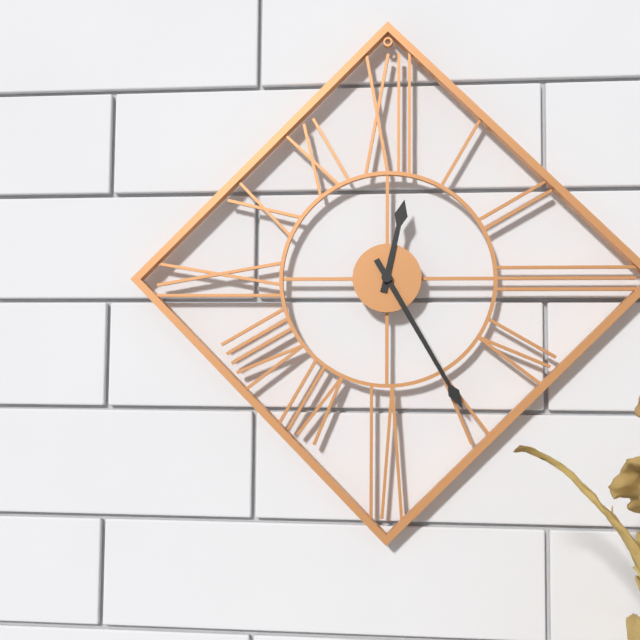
12:25
